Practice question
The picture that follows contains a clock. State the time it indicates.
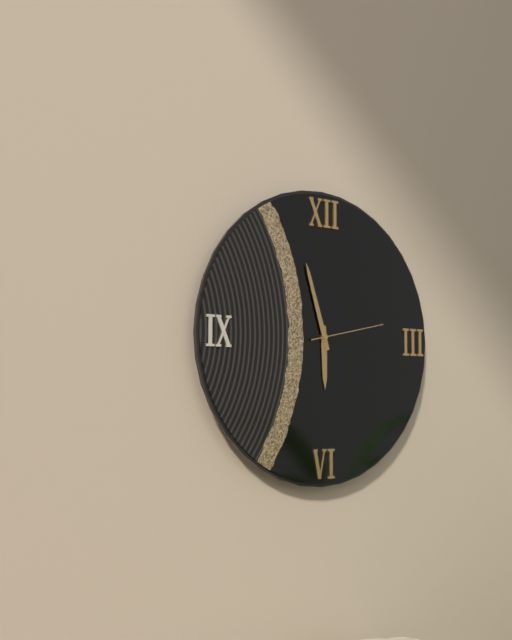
5:57:13
